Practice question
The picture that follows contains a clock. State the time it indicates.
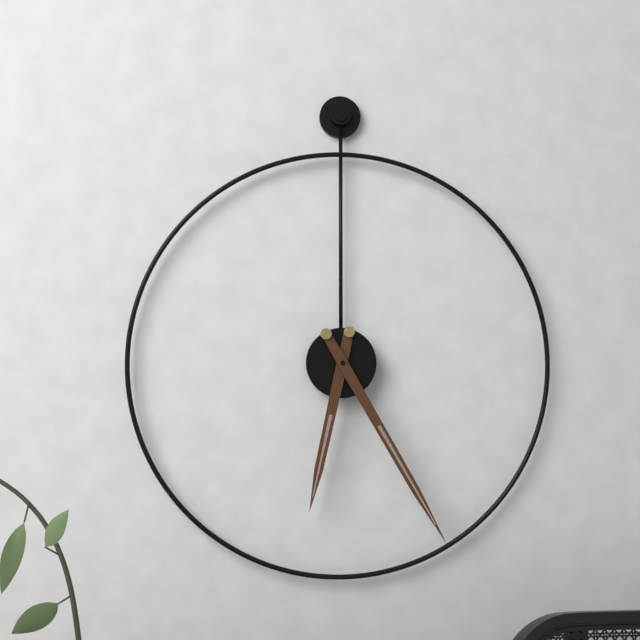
6:25
